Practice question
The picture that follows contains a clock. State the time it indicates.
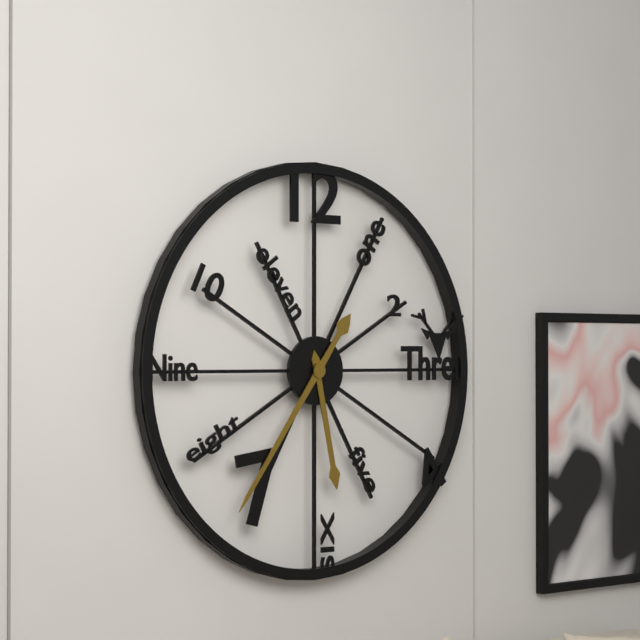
5:36
